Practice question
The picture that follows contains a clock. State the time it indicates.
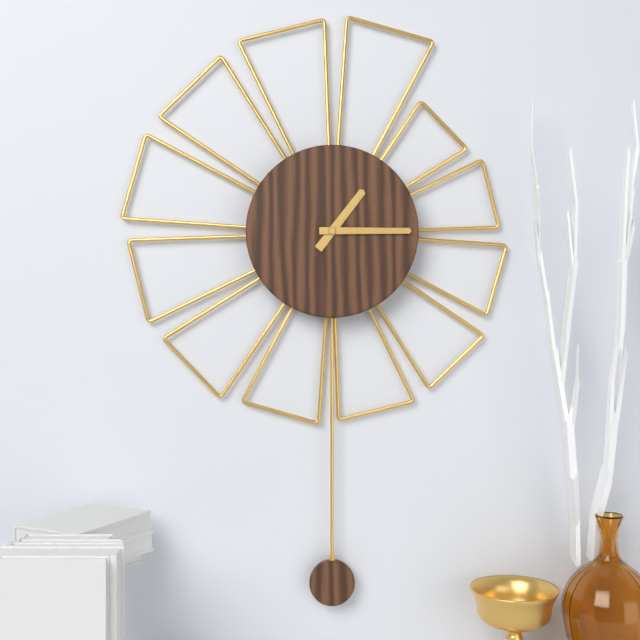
1:15
